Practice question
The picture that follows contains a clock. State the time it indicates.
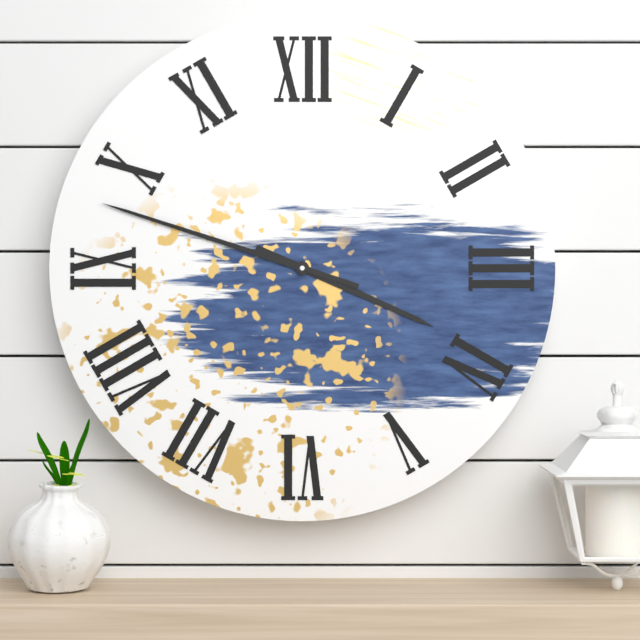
3:48
